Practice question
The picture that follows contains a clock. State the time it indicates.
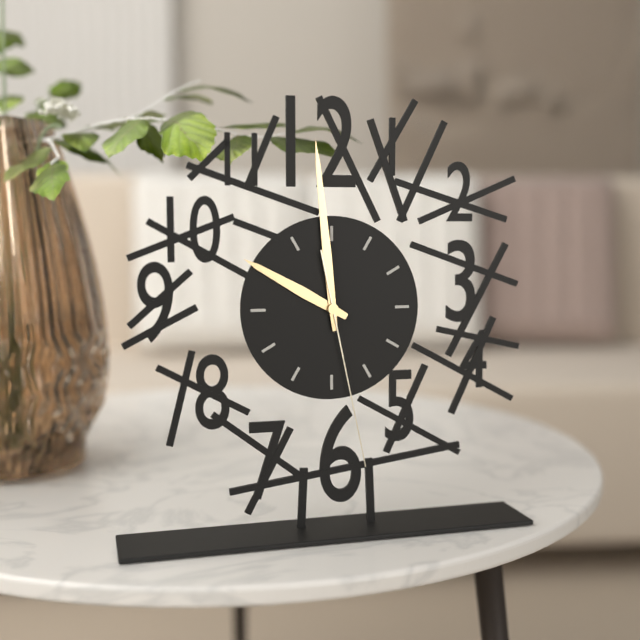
9:59:28
